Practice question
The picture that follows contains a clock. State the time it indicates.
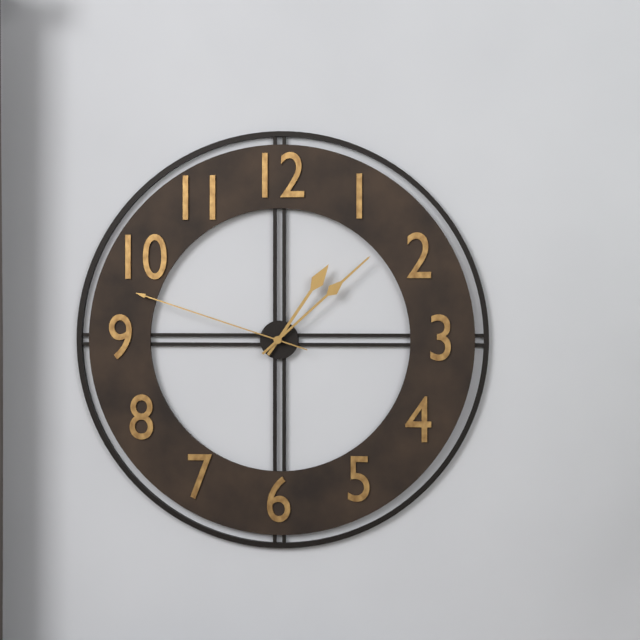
1:08:48
